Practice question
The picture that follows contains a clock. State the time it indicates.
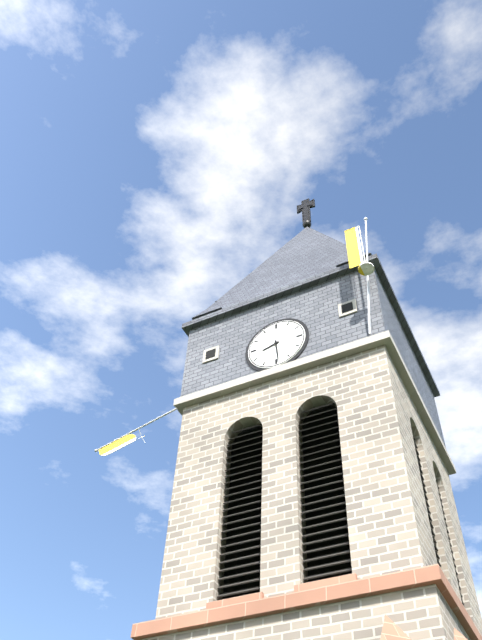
8:29
